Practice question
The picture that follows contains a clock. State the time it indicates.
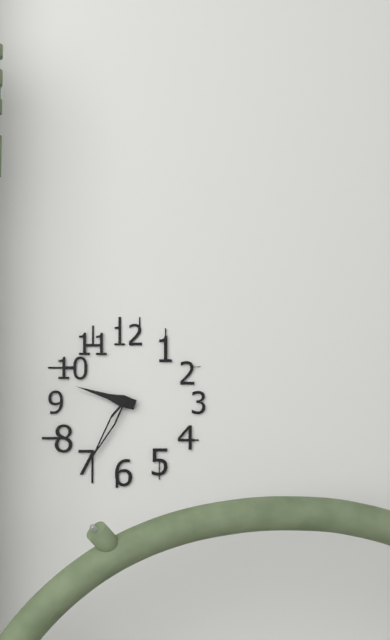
9:35
